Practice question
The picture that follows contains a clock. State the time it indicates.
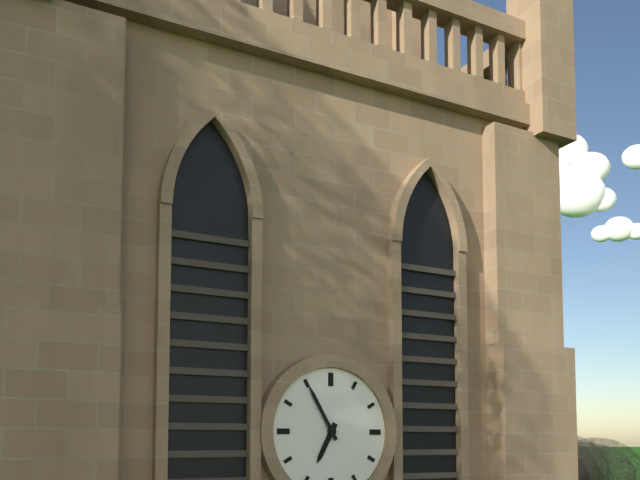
6:55
